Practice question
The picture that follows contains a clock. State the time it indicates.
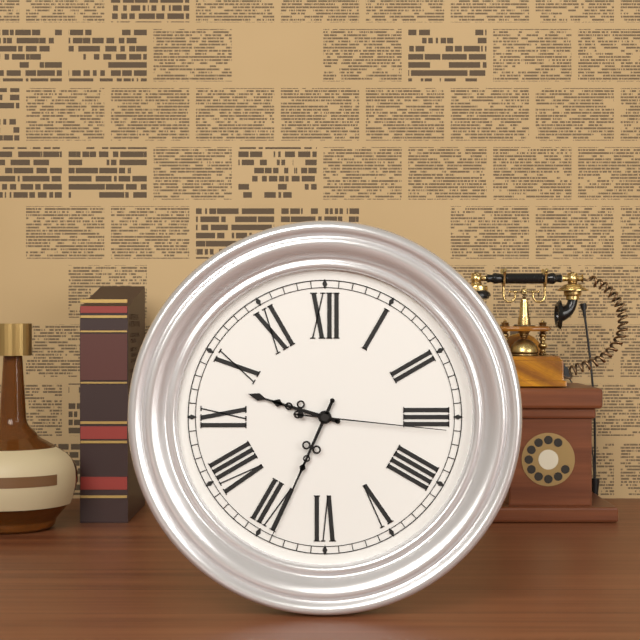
9:34:16
